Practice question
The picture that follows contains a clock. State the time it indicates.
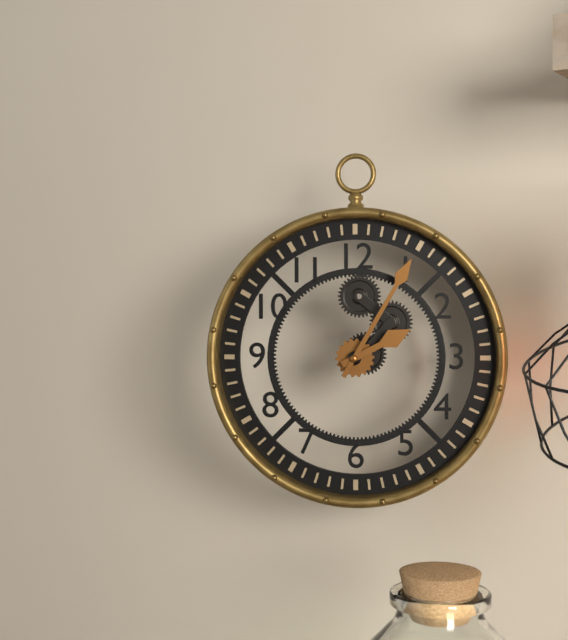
2:05
